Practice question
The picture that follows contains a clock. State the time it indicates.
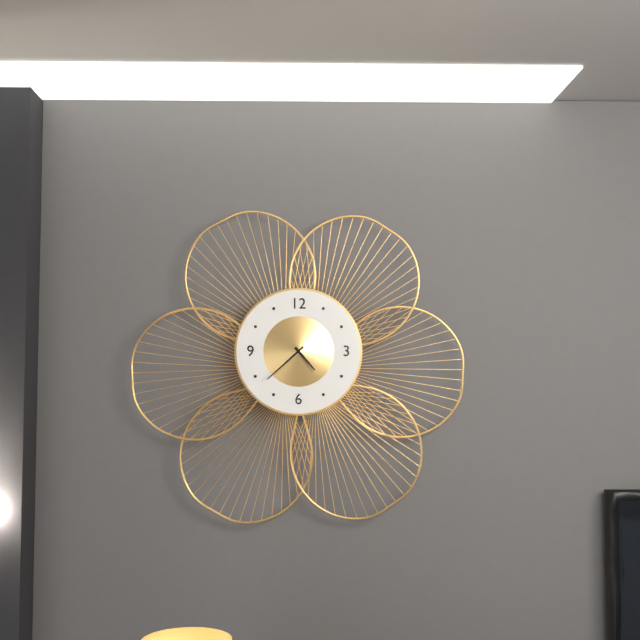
4:38
